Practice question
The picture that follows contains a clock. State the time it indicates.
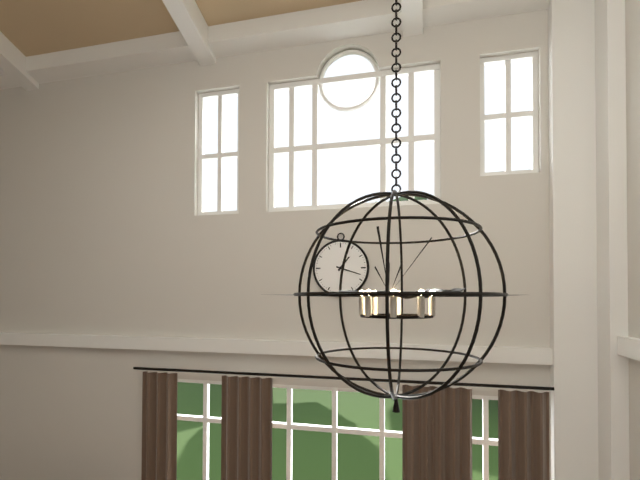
1:18
